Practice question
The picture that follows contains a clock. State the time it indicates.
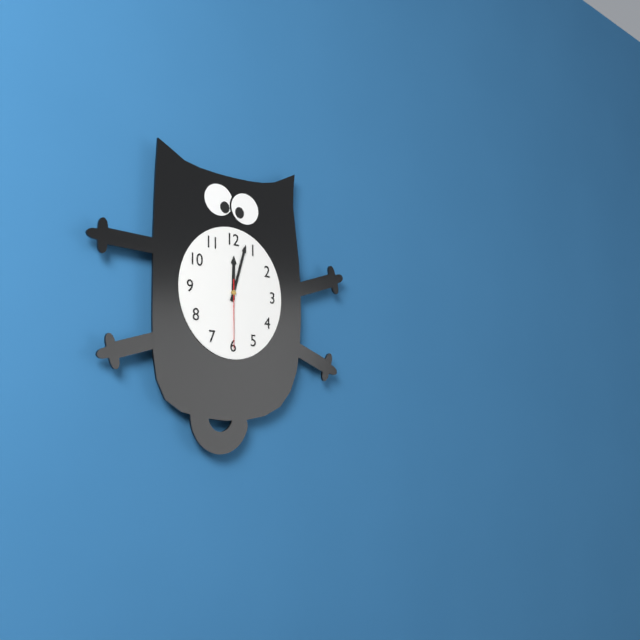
12:03:30
